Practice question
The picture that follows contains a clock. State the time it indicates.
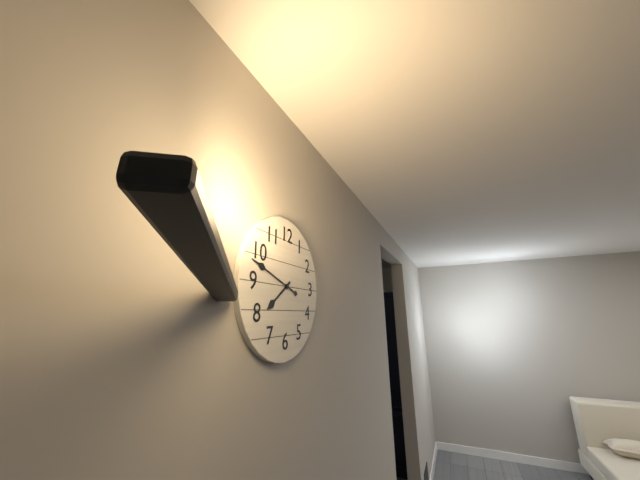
7:48
